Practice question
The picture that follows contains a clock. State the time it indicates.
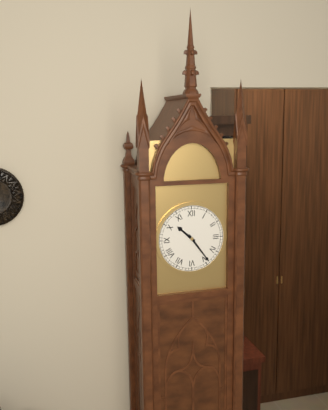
10:24
